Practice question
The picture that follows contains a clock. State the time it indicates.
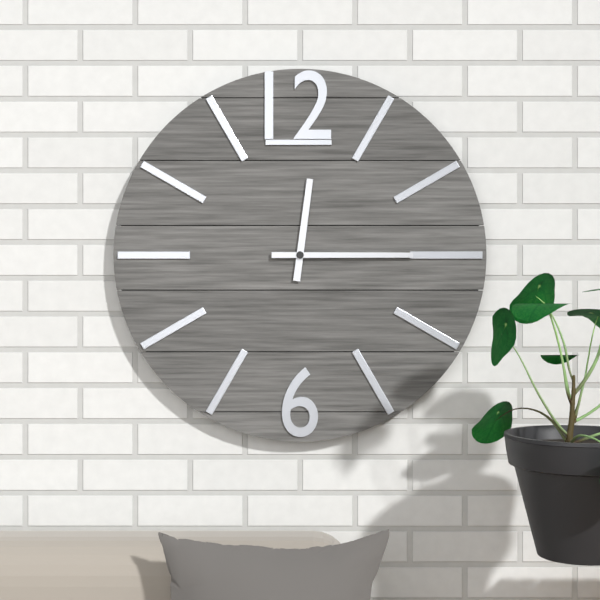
12:15
